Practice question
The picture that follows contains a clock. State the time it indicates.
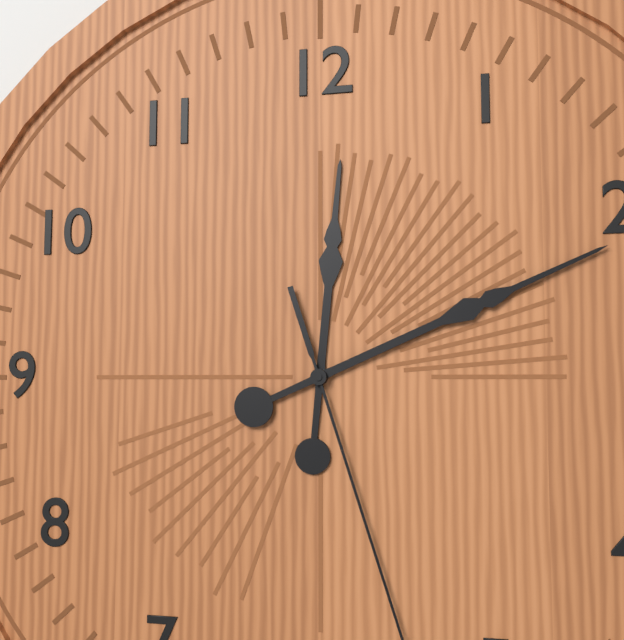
12:11
